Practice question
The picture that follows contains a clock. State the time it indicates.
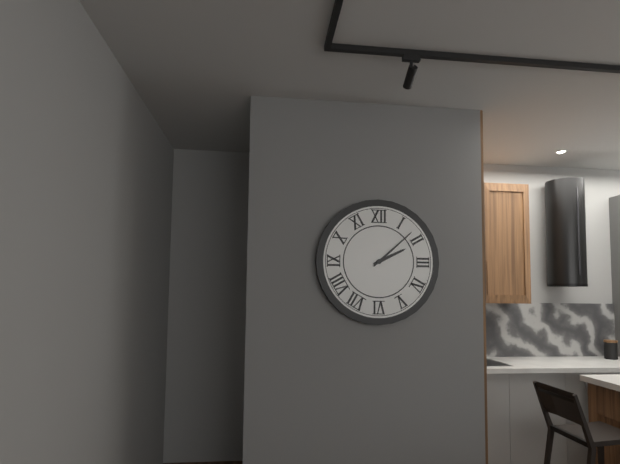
2:08
